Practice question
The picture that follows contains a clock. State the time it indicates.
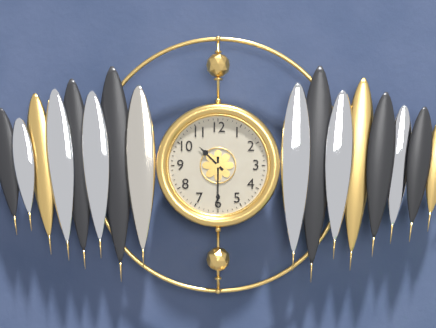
10:30
